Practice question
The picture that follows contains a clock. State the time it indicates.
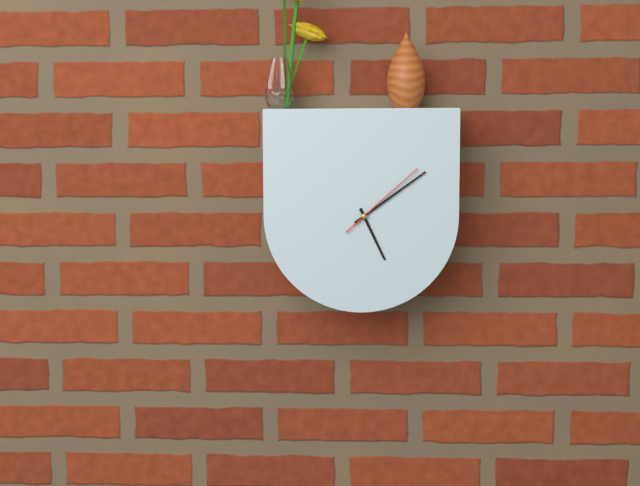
5:09:08
